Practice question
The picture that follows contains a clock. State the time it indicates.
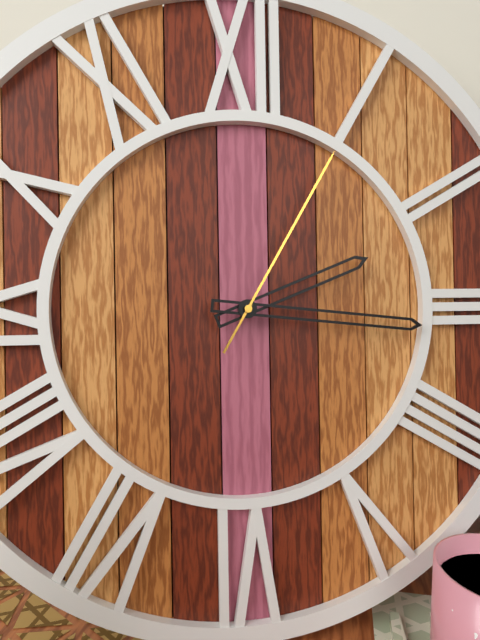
2:16:05
